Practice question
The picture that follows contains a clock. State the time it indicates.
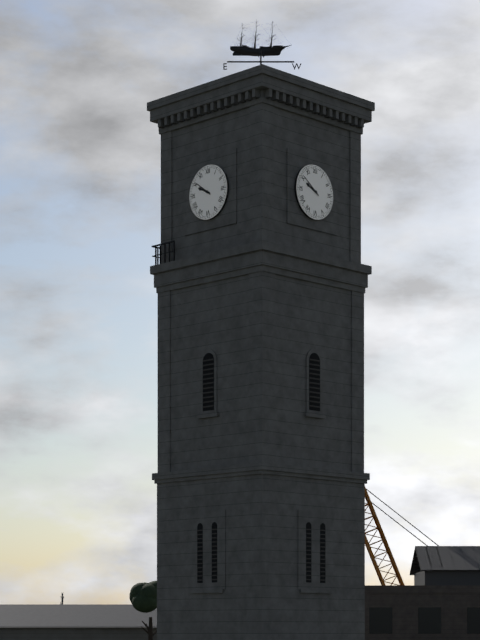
9:51
